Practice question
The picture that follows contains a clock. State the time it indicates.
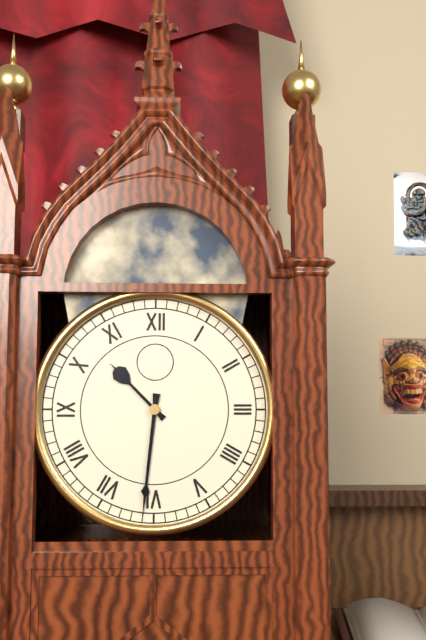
10:31
